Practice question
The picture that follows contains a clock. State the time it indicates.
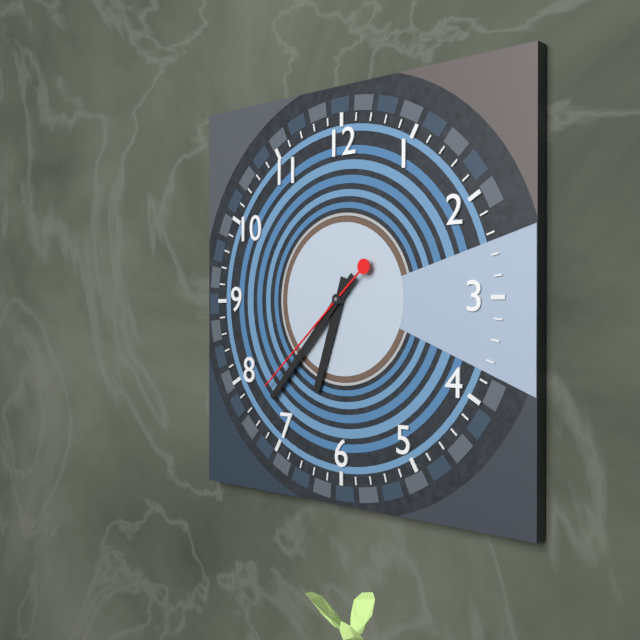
6:37:38
